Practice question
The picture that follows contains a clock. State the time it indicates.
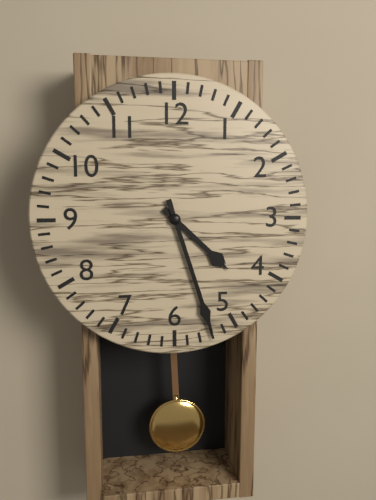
4:27
